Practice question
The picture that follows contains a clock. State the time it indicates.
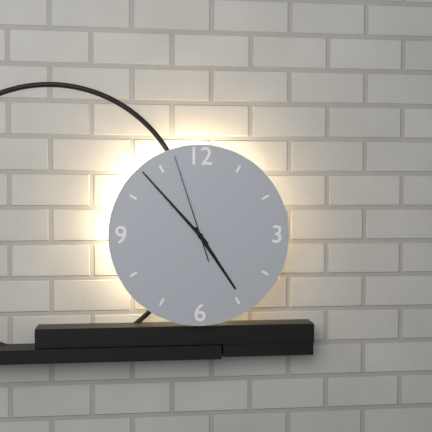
4:53:57
